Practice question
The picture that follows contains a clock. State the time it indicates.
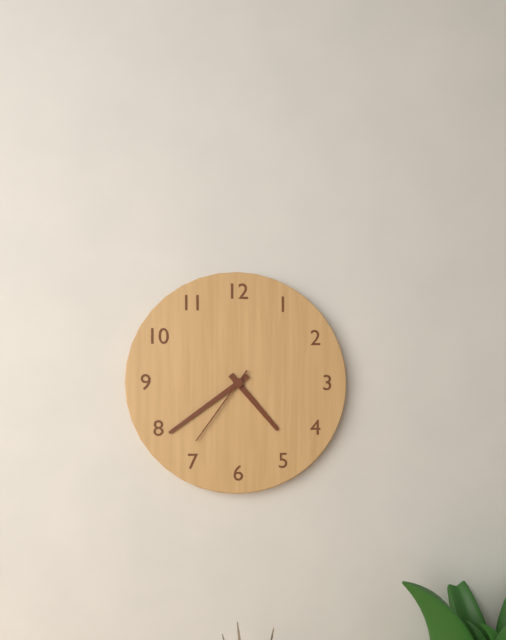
4:39:36
